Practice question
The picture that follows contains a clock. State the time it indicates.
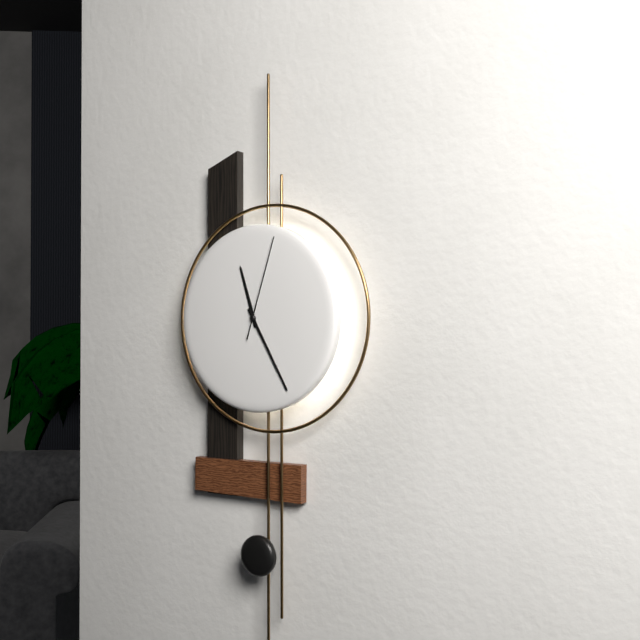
11:25:03
